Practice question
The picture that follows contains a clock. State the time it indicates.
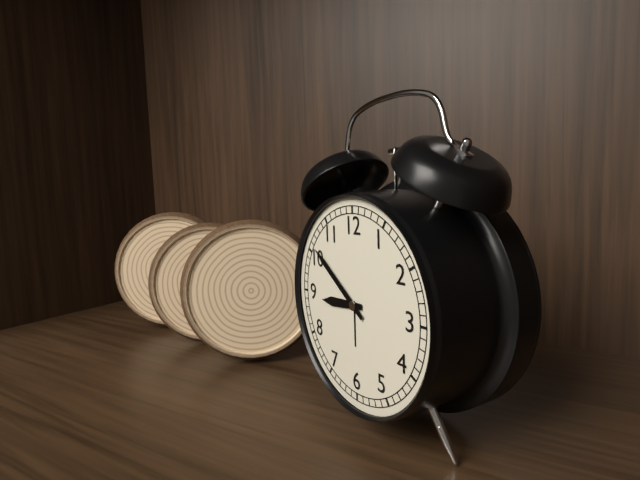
8:51
